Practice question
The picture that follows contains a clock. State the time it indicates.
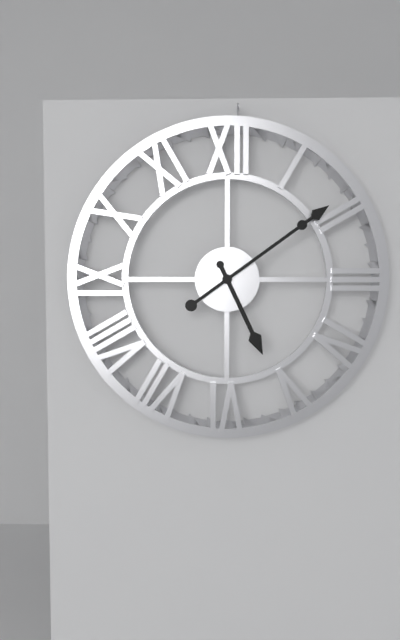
5:09
